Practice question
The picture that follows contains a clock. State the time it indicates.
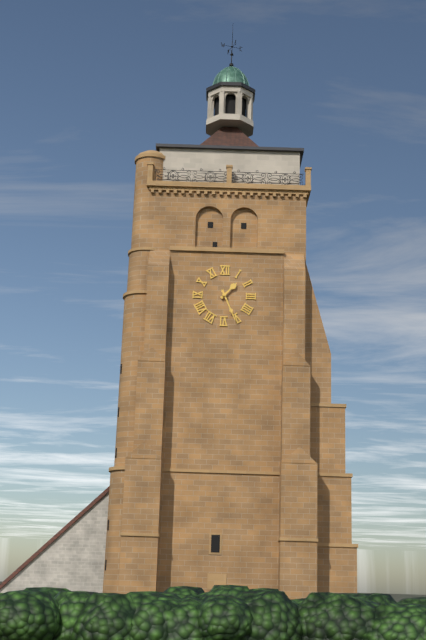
1:26
